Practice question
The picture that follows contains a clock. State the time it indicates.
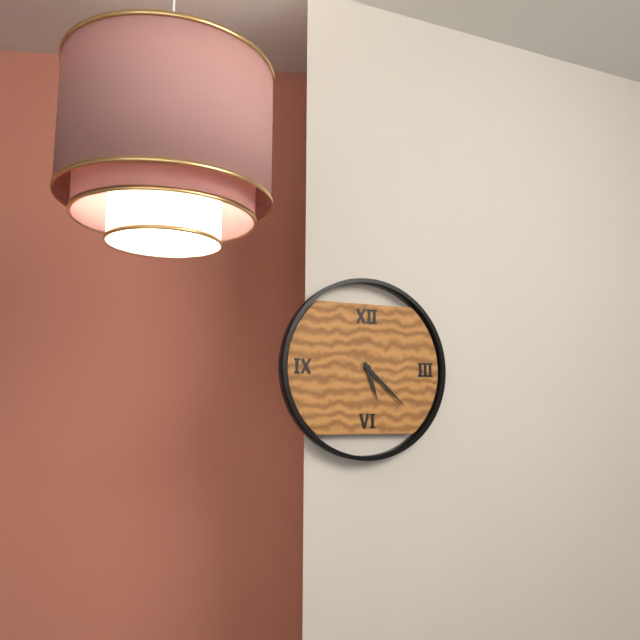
5:22
